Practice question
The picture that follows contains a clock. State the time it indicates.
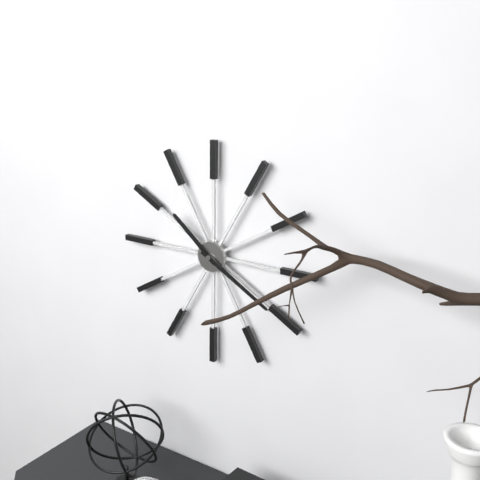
10:20
